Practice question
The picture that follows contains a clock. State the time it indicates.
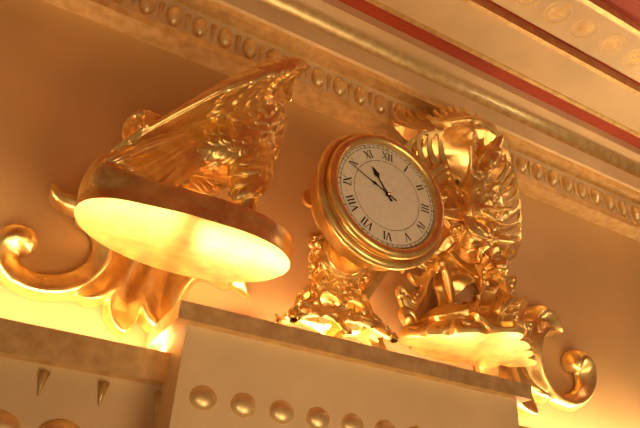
10:49
